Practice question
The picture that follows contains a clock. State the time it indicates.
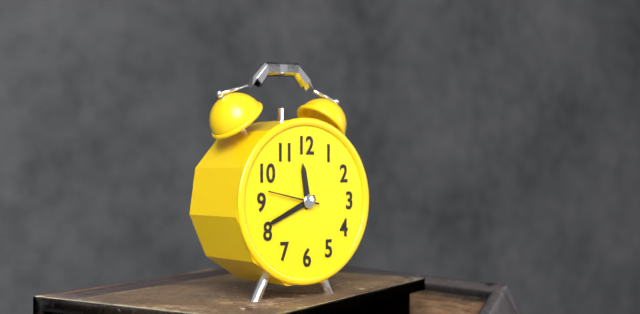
11:41
